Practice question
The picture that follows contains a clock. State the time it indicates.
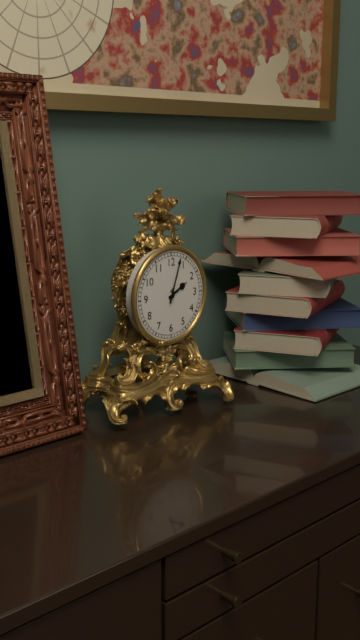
2:03
